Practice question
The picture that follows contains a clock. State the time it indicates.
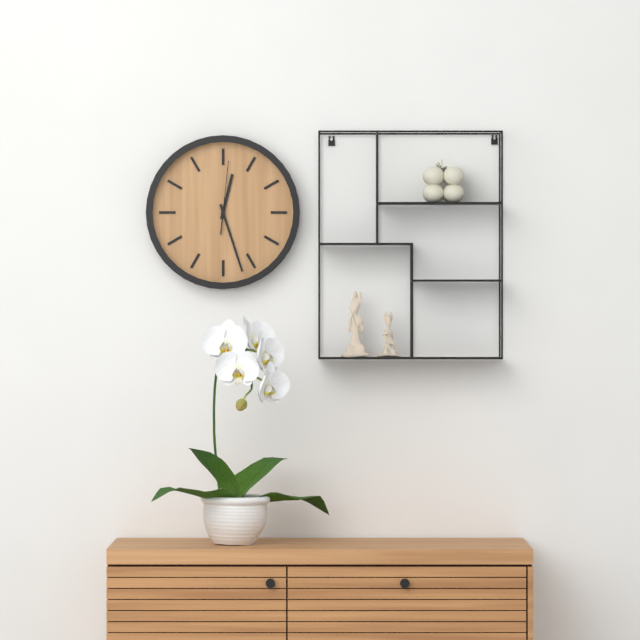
12:27:01
